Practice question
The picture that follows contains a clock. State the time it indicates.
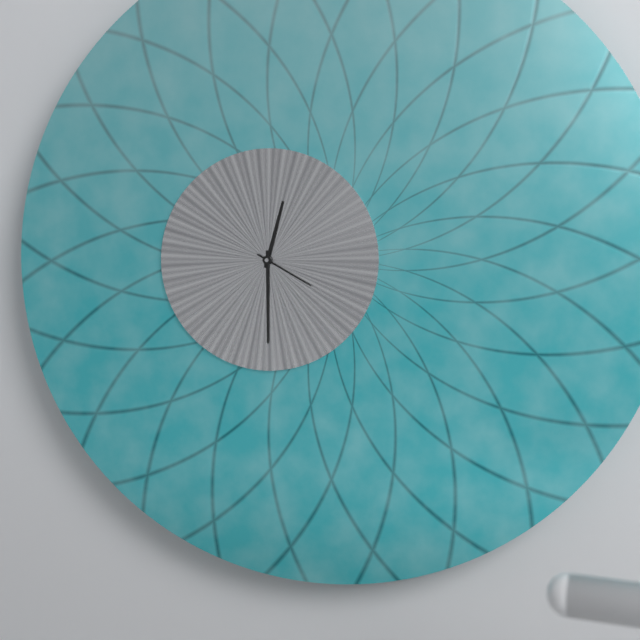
12:30:20
